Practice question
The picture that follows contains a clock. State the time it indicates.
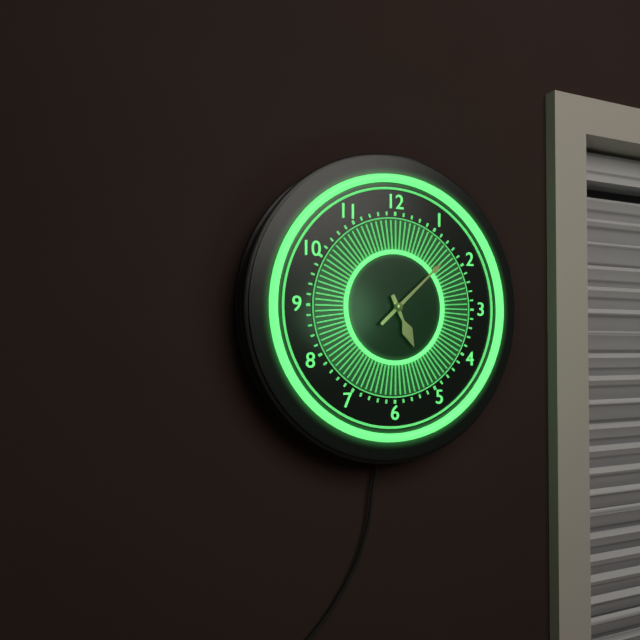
5:08
